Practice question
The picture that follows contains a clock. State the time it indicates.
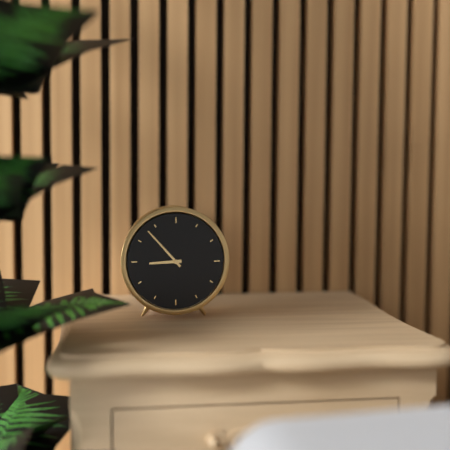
8:53
